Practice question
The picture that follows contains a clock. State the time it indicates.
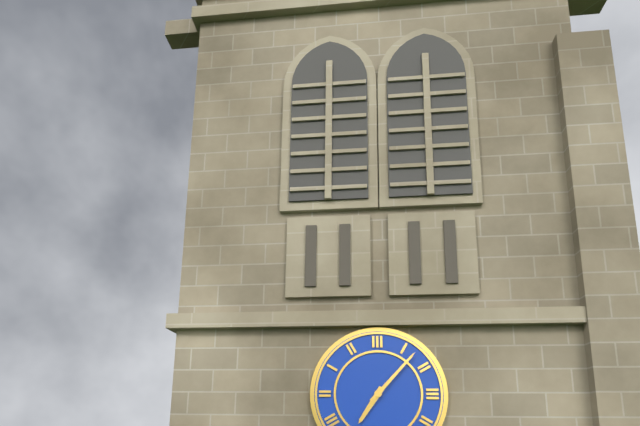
7:07
